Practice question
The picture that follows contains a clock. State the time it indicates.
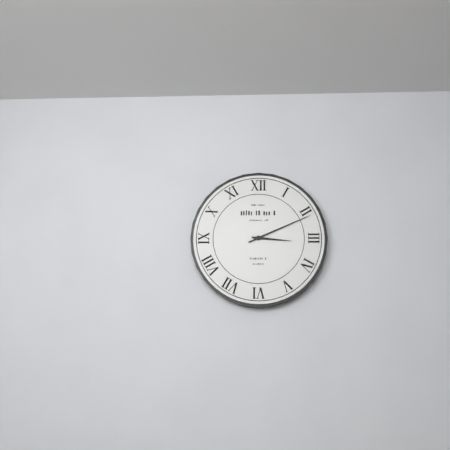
3:11
